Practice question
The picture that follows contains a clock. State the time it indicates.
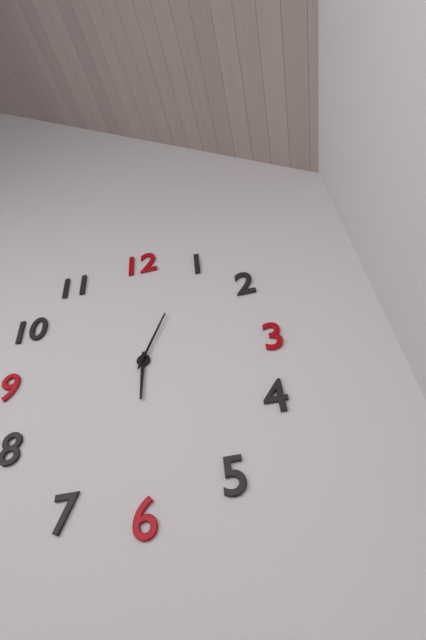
6:04
